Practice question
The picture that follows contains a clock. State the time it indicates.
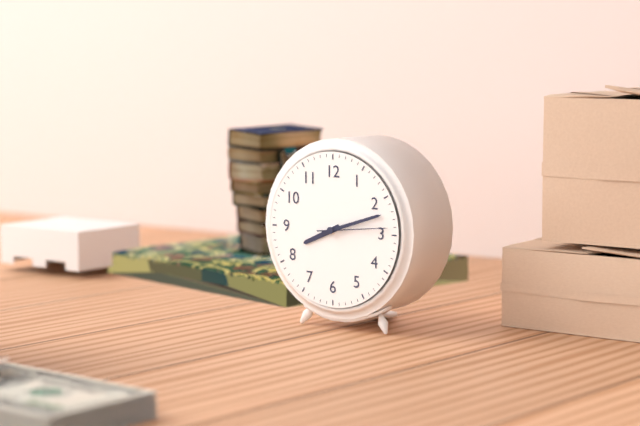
8:12:14
